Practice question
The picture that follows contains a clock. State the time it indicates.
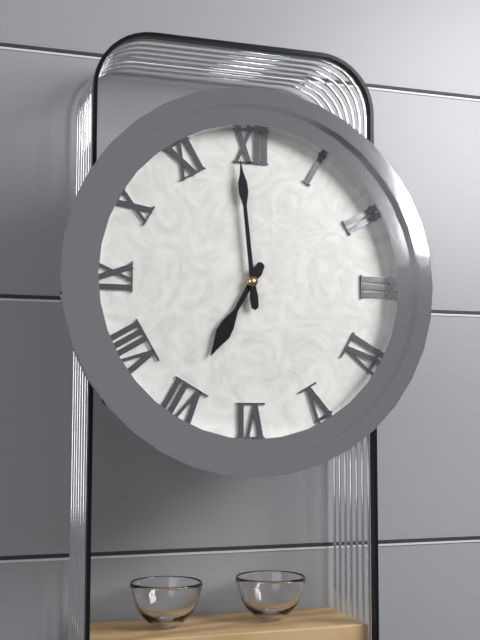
6:59
